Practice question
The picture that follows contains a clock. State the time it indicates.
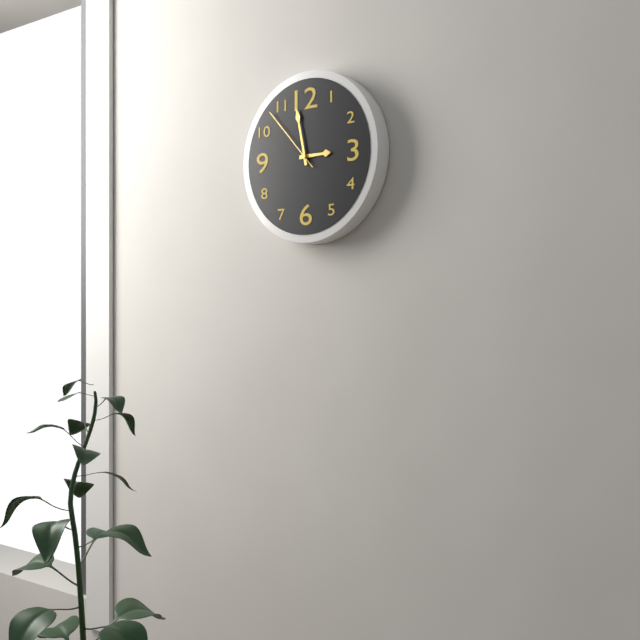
2:58:53
